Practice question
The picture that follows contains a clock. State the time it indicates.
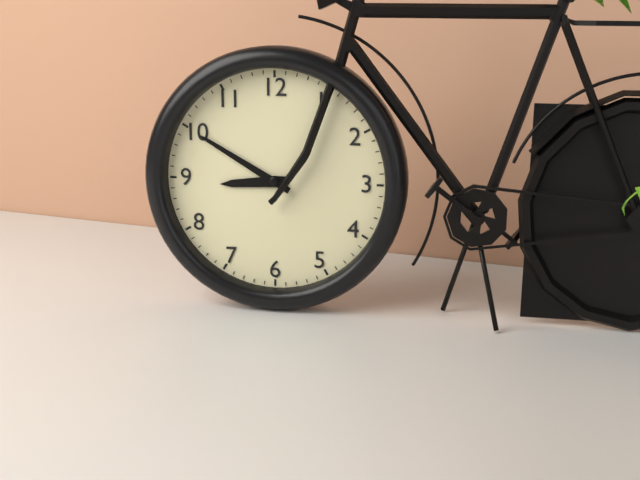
8:50
